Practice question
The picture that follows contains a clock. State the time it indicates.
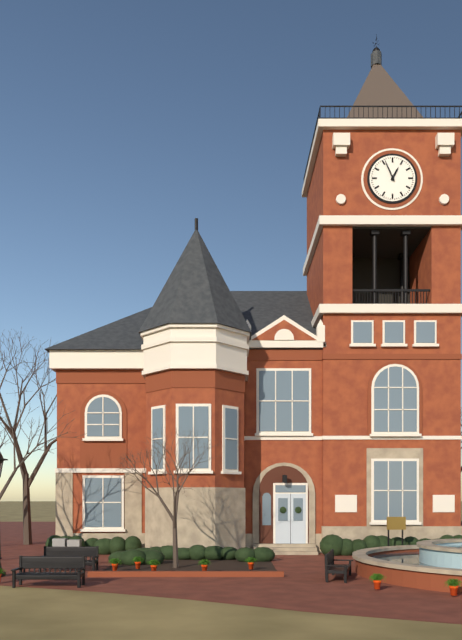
12:56
